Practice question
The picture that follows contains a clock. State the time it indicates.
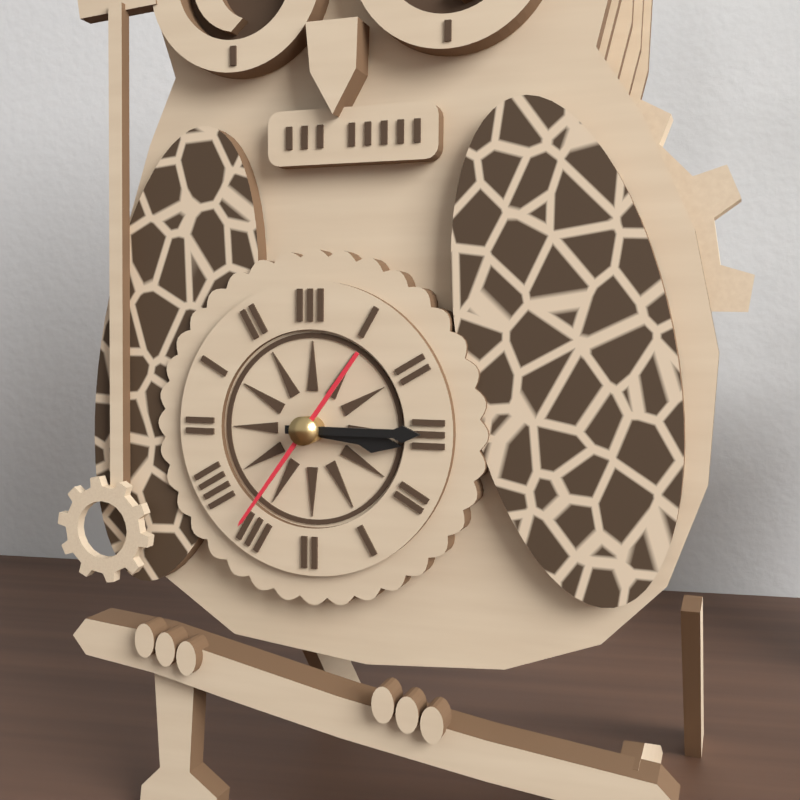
3:15:36
